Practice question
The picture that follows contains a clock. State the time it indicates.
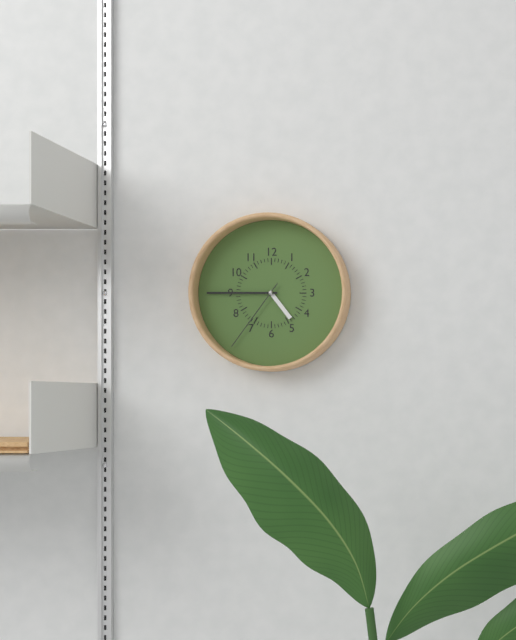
4:45:36
